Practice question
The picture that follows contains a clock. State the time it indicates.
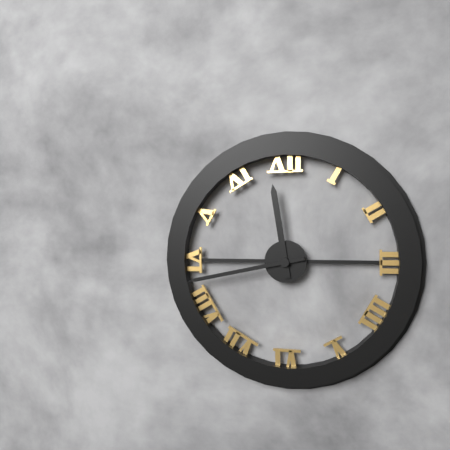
11:43
